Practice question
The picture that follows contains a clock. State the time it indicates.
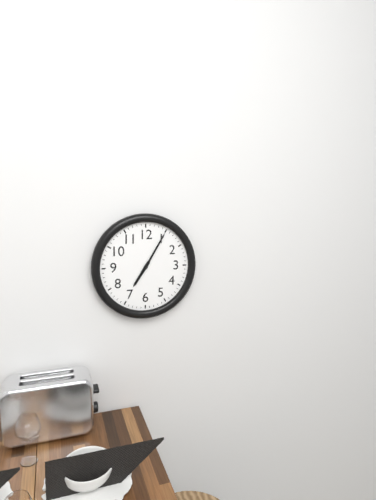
7:05
